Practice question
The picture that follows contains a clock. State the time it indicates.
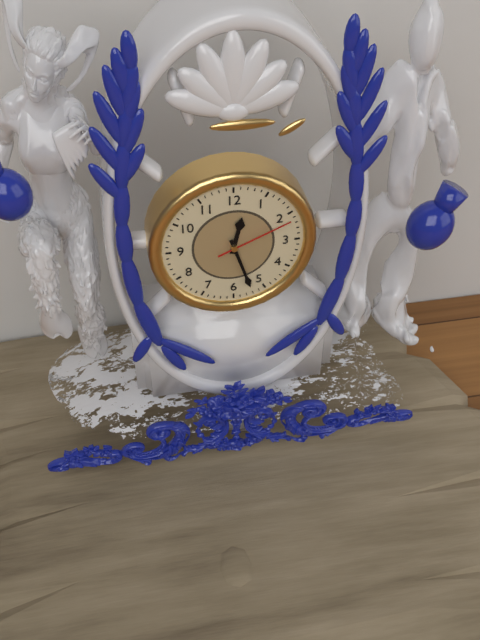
12:27:11
